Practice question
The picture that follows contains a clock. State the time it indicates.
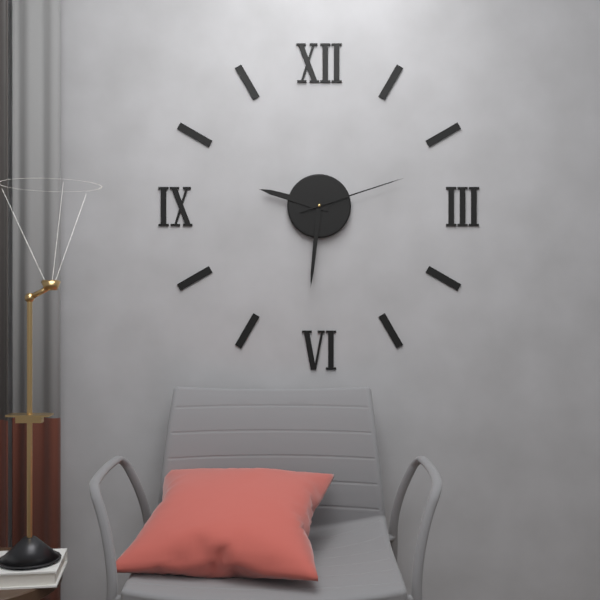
9:31:12
